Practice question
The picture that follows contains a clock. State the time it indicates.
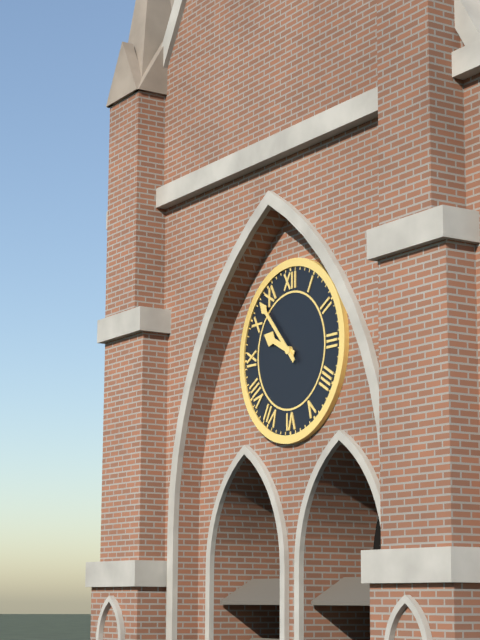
9:53
